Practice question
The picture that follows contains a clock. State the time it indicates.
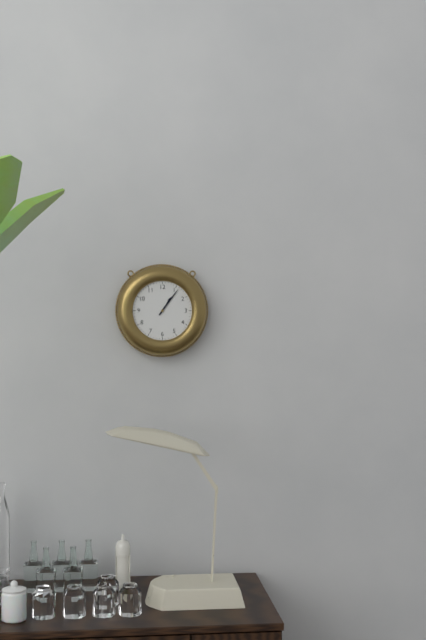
1:06
